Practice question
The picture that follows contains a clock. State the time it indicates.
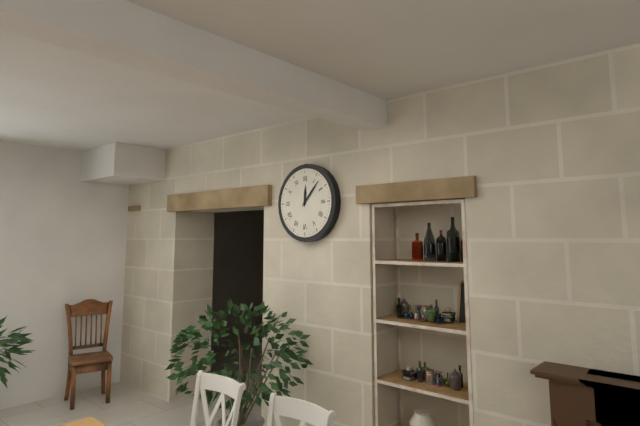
12:07
